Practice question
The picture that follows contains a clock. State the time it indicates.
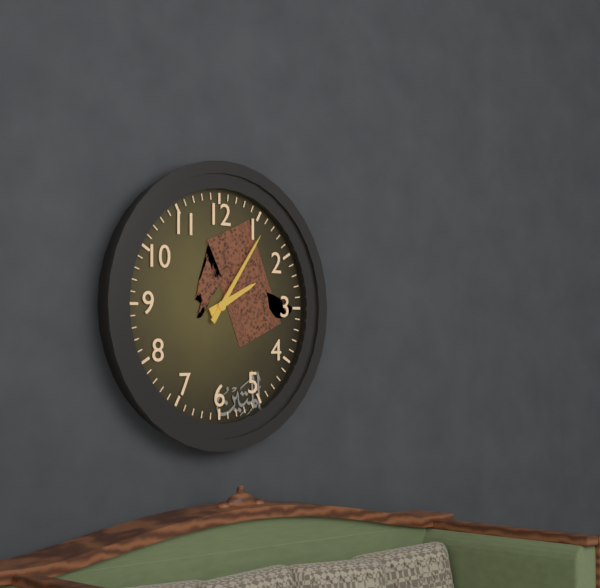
2:06
